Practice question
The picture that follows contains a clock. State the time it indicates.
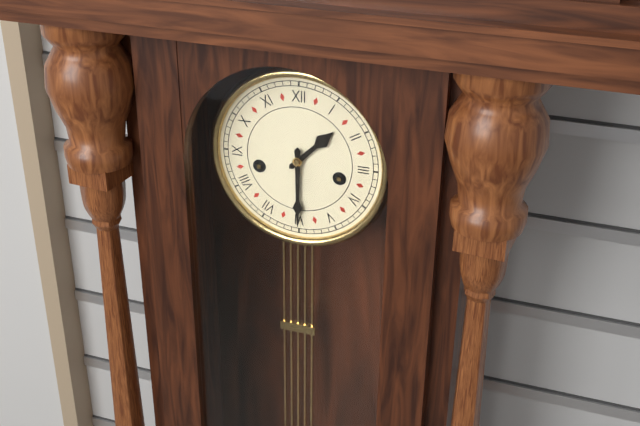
1:30
